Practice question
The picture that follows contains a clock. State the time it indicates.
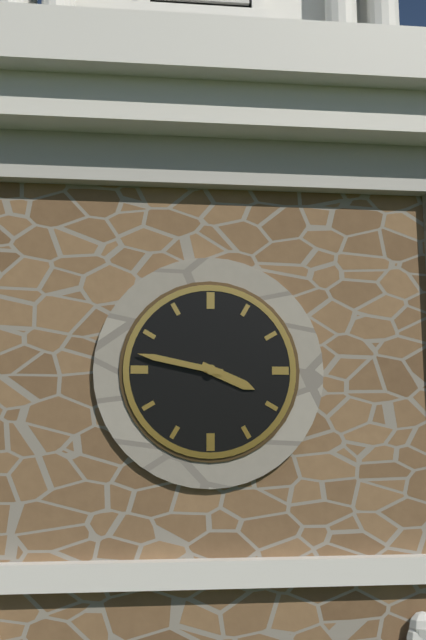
3:47
